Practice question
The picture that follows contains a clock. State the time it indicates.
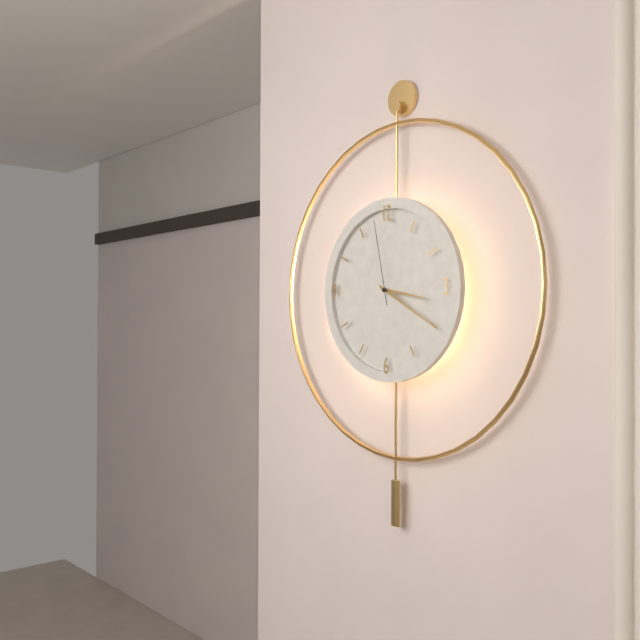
3:20:58
